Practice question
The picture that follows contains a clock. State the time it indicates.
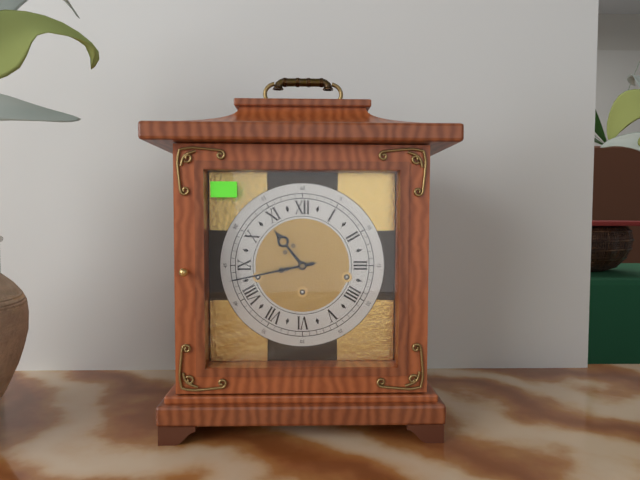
10:43
